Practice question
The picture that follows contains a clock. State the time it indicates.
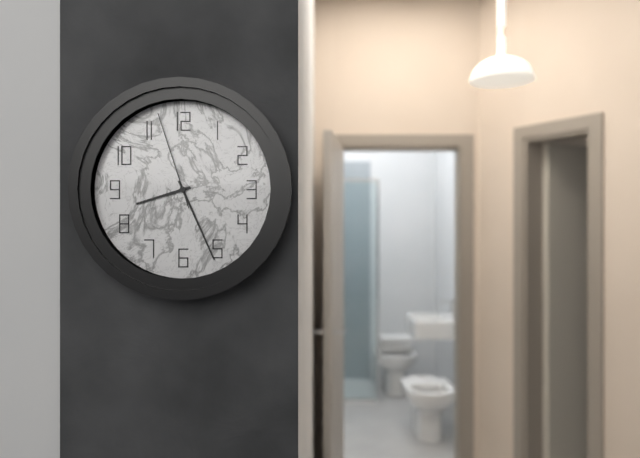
8:26:57
